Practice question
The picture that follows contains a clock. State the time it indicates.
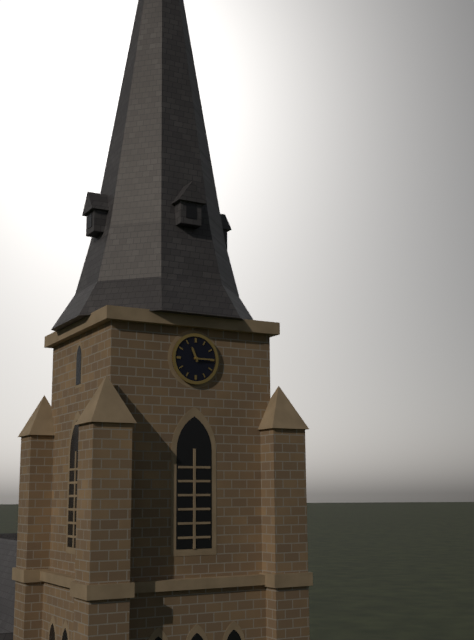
11:15
